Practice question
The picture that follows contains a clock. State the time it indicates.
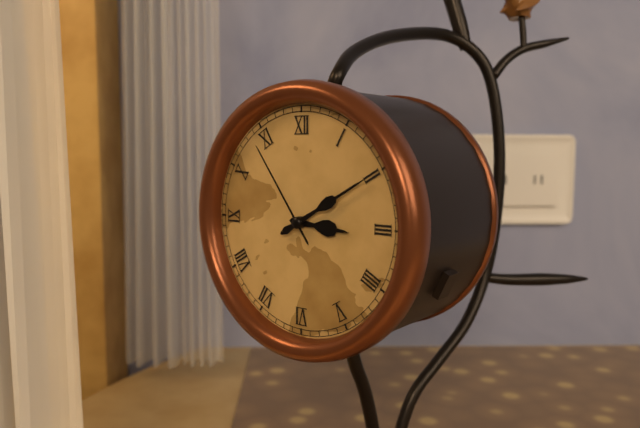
3:10:54
